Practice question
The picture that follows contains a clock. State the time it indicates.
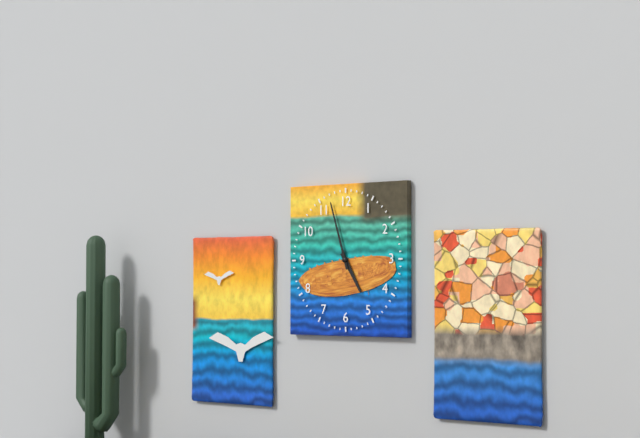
4:57
